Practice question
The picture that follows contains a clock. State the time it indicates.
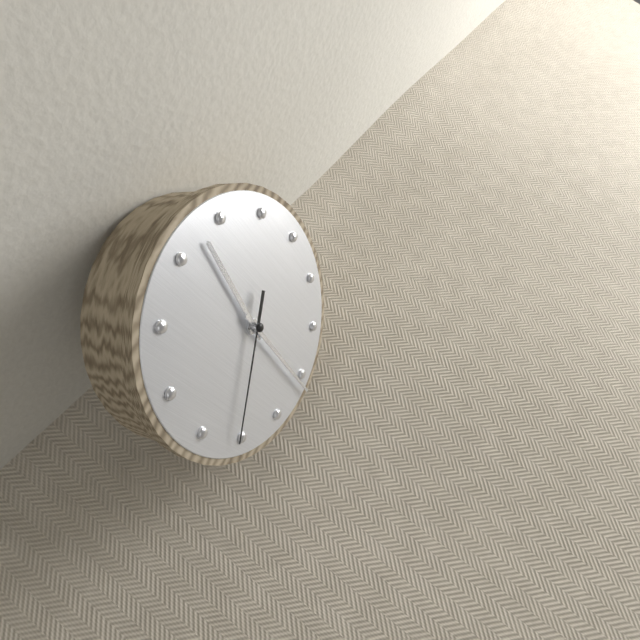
12:31:41
